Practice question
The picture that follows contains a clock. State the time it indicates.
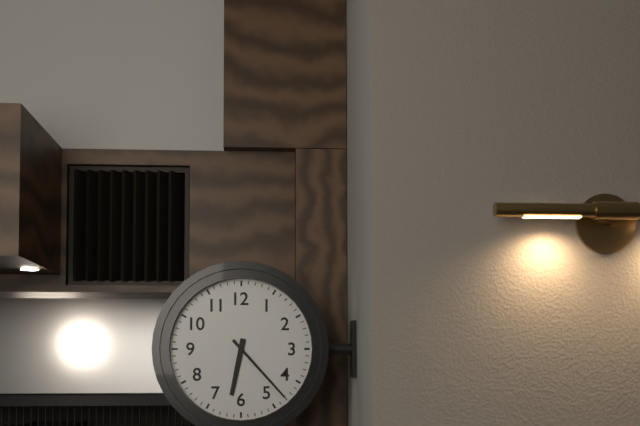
6:23
